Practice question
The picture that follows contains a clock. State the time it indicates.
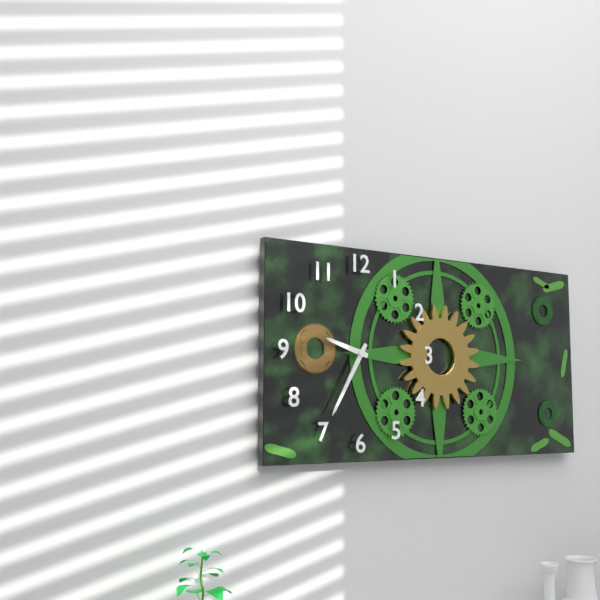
9:35
